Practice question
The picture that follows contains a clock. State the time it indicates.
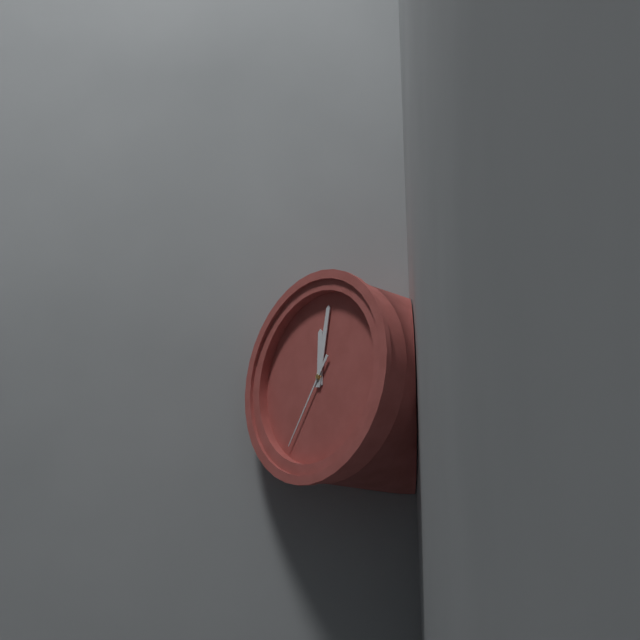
12:02:36
